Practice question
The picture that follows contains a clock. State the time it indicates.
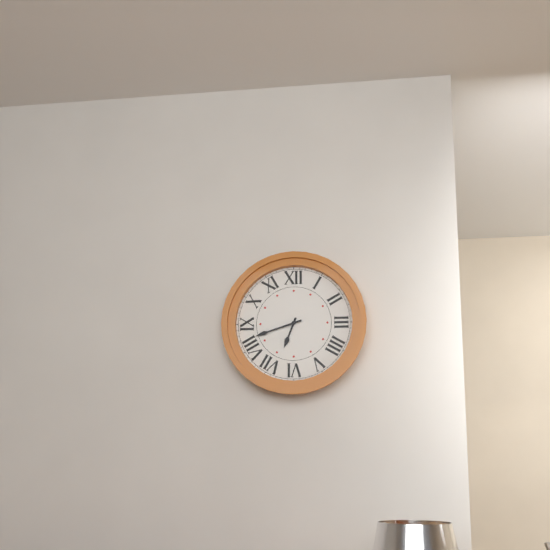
6:42
